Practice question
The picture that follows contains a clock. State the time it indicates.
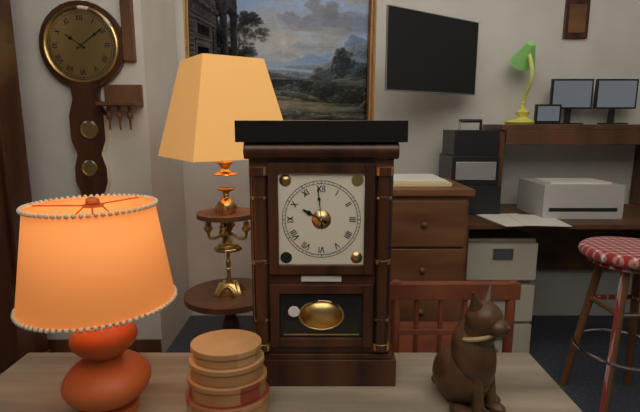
9:59
